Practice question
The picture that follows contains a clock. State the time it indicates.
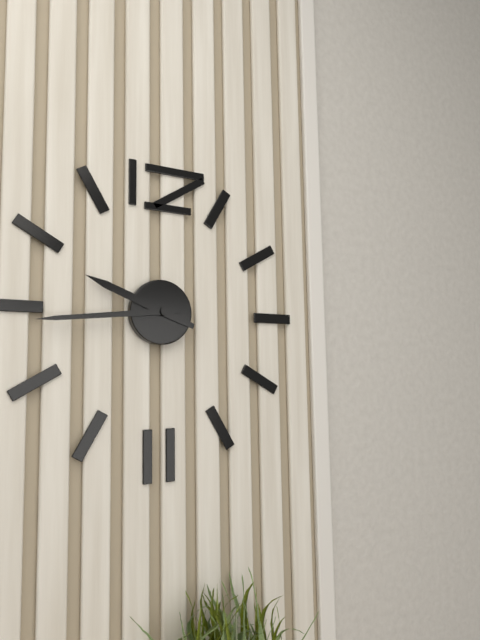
9:44
